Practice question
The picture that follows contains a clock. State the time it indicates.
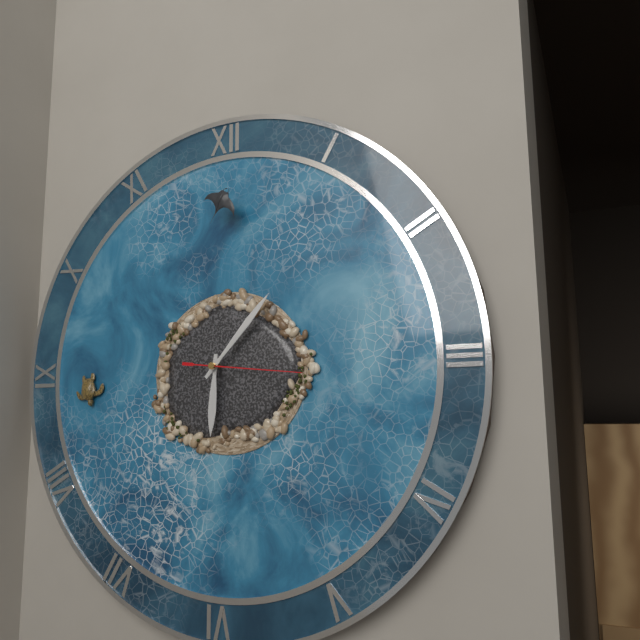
6:07:16
